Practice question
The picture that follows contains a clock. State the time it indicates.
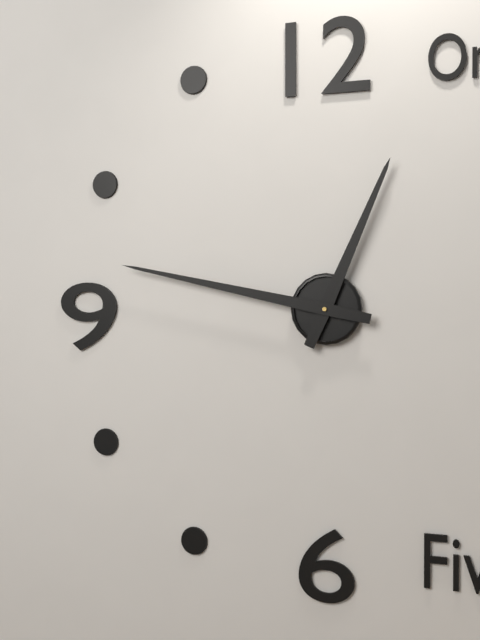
12:47
